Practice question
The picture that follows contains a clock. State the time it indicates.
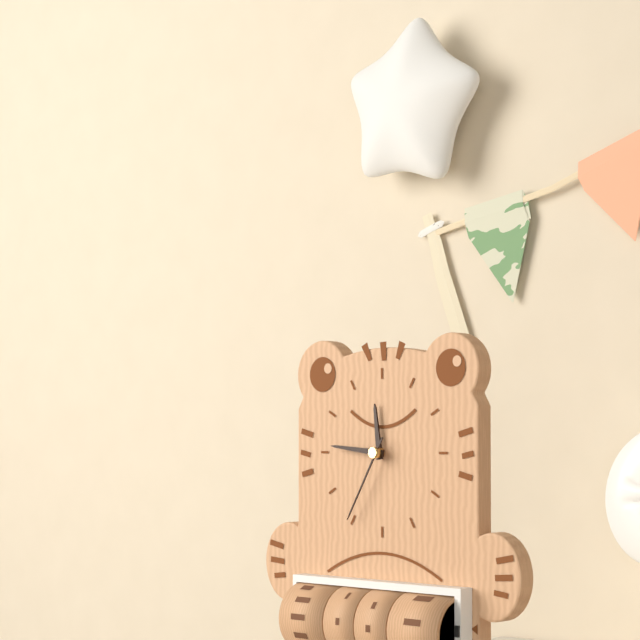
11:46:35
